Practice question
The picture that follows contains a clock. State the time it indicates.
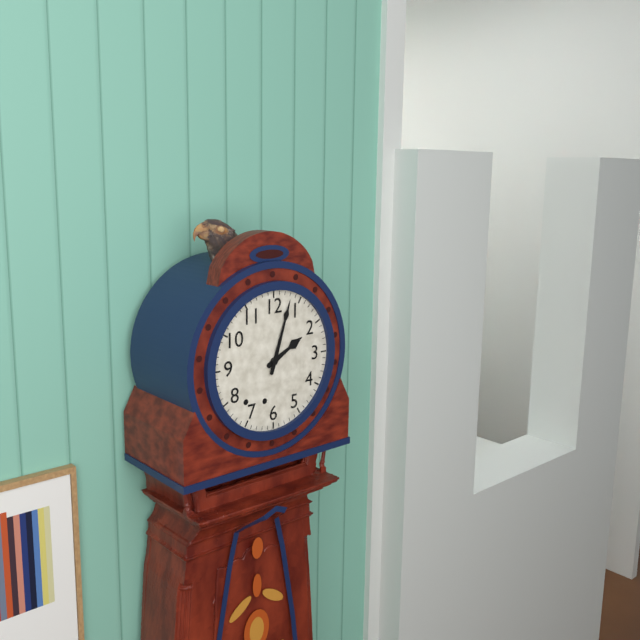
2:03
